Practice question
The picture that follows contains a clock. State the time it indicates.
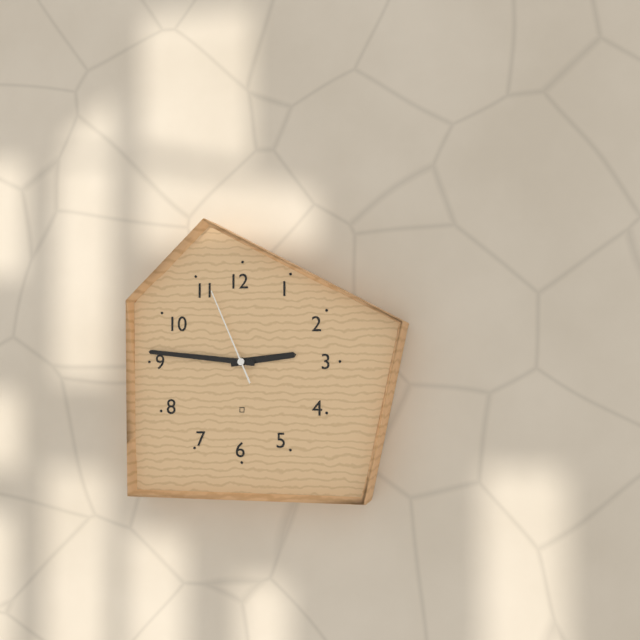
2:46:56
